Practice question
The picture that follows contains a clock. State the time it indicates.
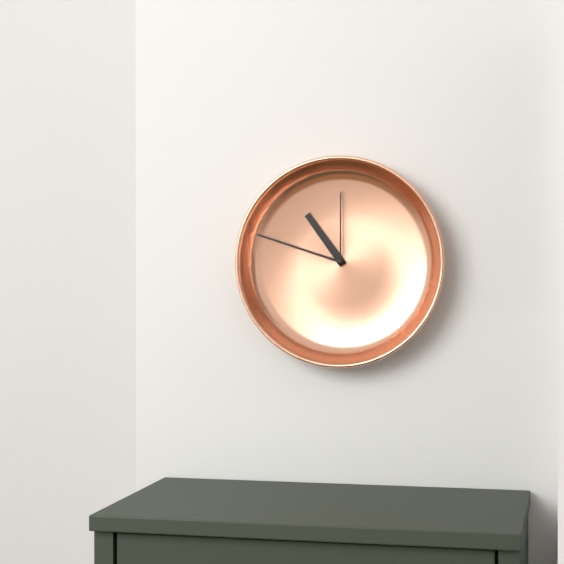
10:48:00
